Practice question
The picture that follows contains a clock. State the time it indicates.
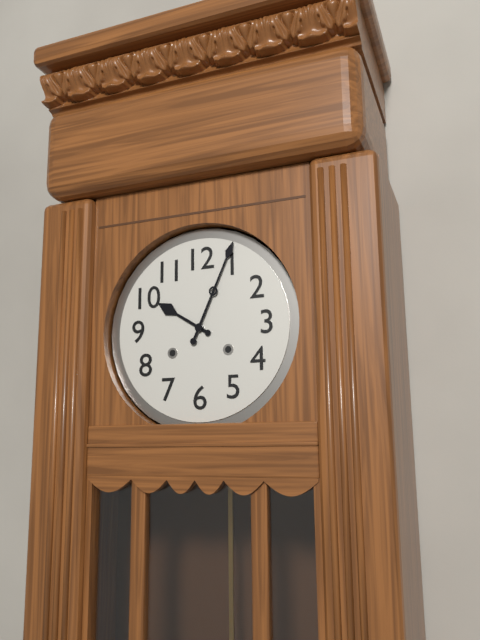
10:04
